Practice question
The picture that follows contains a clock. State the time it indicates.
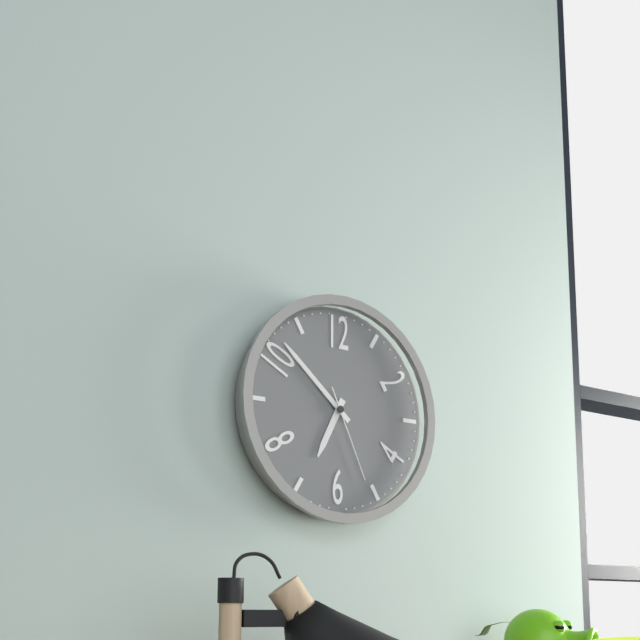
6:52:26
